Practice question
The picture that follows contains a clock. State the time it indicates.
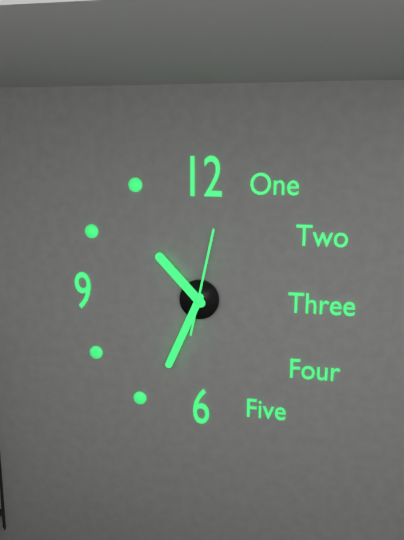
10:34:02
